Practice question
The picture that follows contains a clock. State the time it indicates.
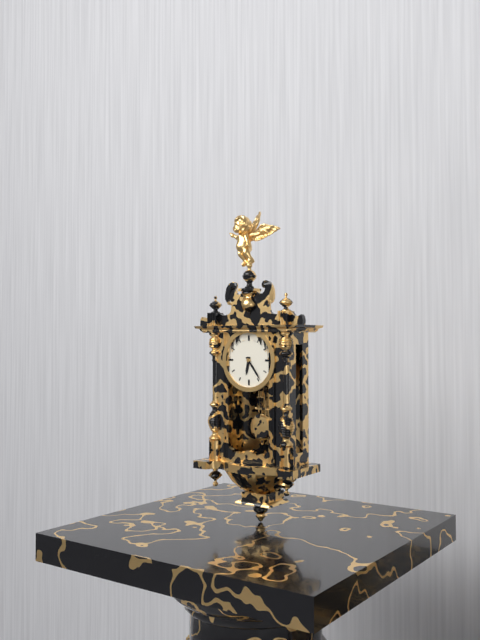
6:24
